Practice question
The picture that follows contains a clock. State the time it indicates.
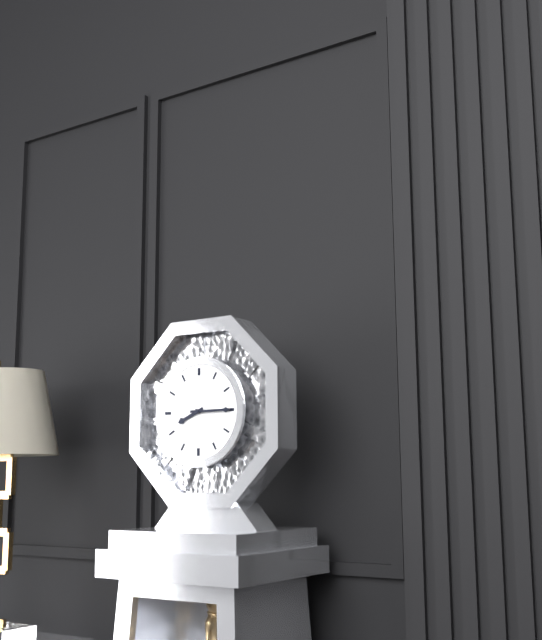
8:15
